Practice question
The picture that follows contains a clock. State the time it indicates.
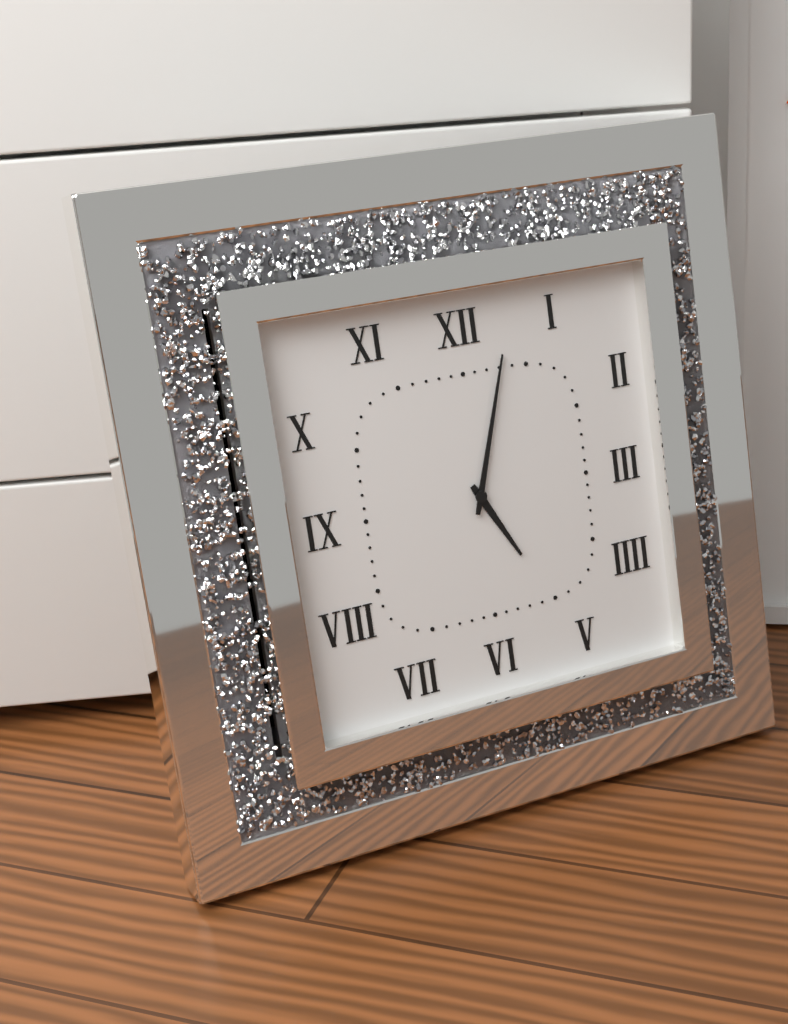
5:03
